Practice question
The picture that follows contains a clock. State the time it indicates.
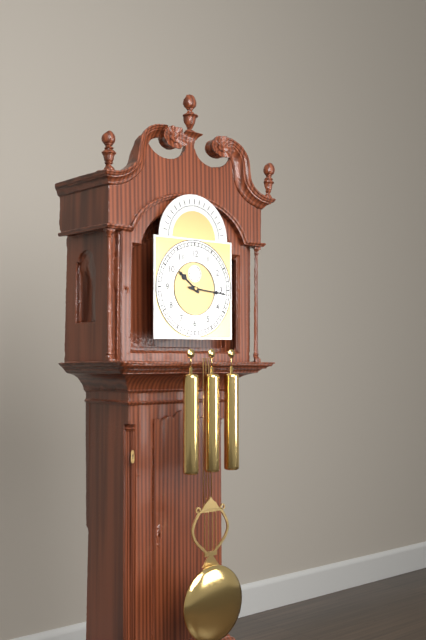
10:16
